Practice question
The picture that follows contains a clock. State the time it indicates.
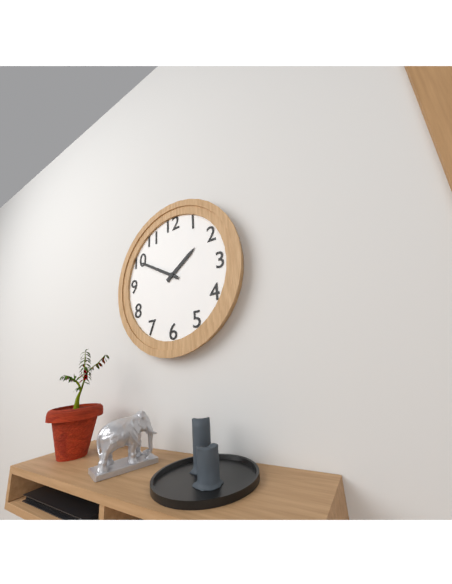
1:50
